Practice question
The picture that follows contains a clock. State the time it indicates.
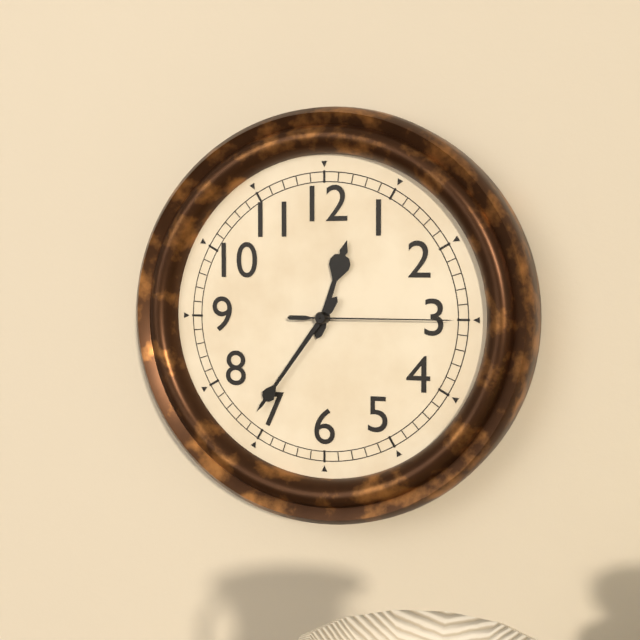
12:36:15
